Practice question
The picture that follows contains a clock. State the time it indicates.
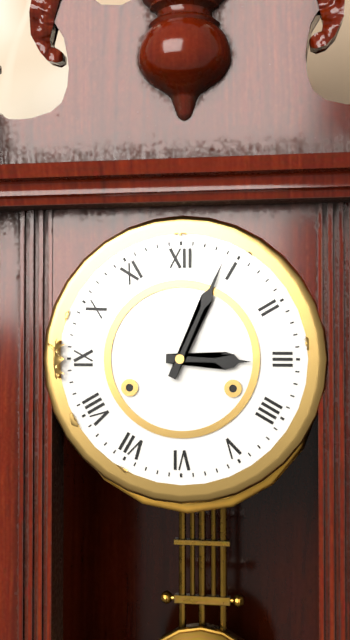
3:04
